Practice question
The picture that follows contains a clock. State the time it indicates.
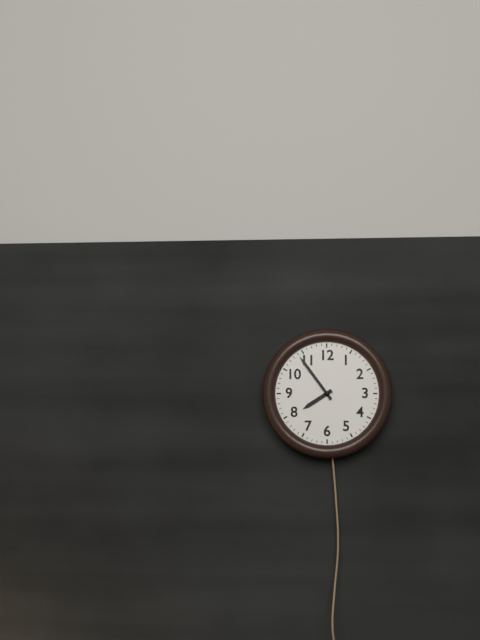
7:54
